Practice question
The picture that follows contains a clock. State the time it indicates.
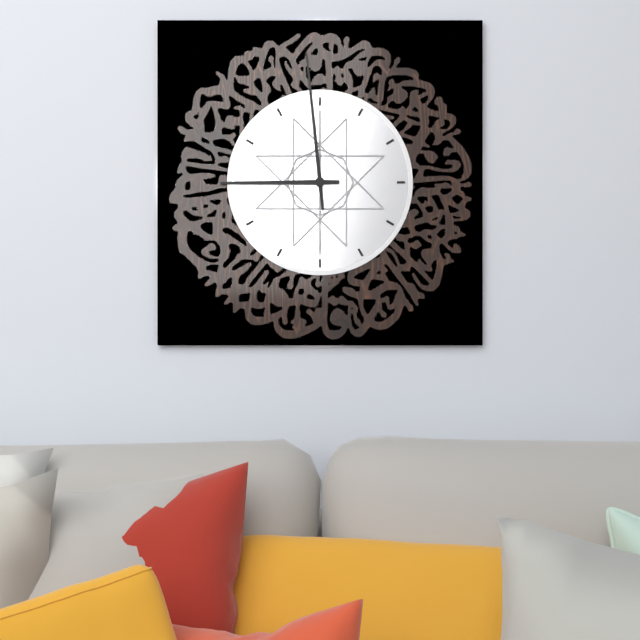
8:59
